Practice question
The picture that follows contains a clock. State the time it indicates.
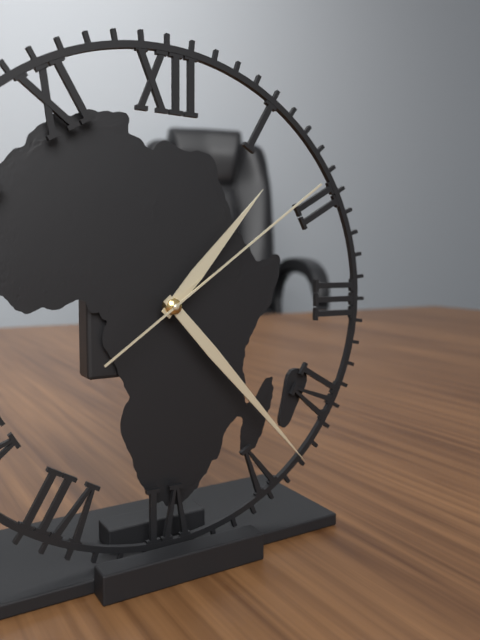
1:23:09
